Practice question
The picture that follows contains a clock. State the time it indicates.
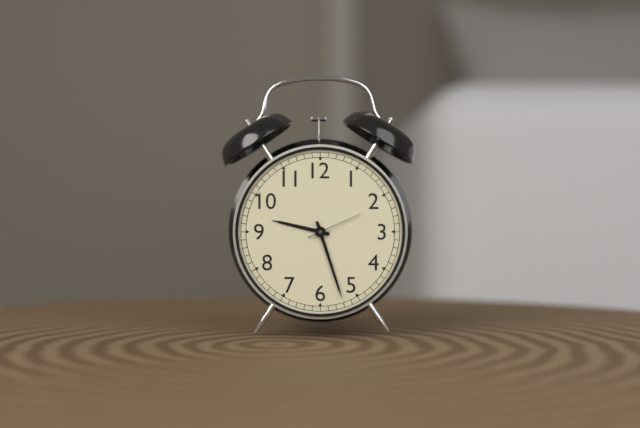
9:27:11
